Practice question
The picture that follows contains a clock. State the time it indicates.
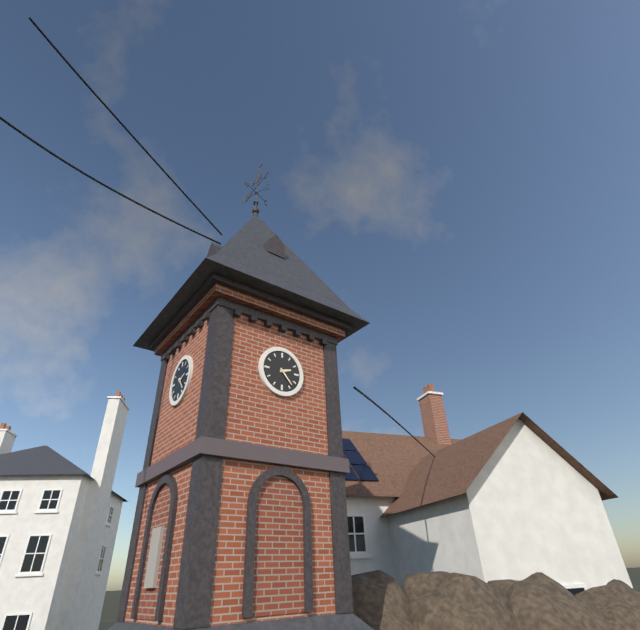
2:23
